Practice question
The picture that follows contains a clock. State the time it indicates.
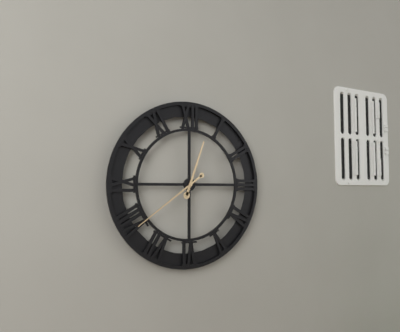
12:39
